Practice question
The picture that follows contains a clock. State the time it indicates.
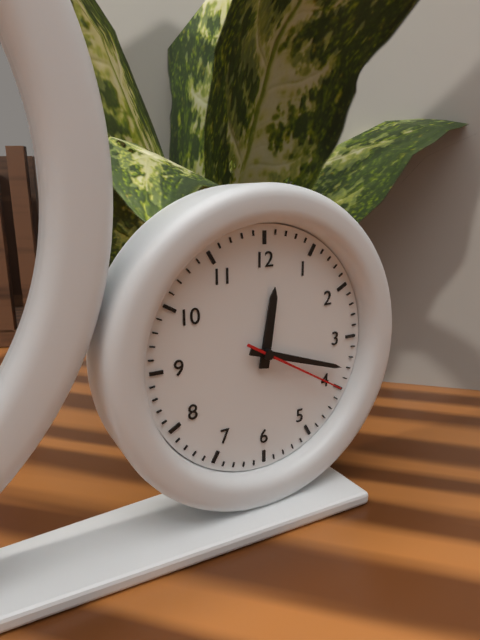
12:18:20
